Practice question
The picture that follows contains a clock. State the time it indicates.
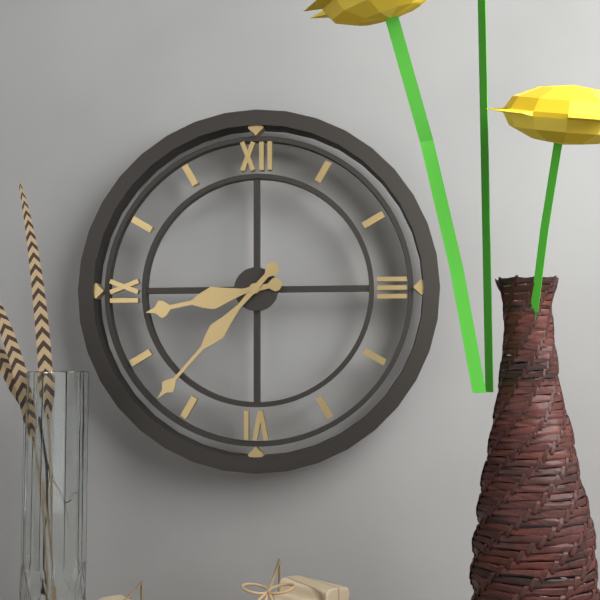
8:37
